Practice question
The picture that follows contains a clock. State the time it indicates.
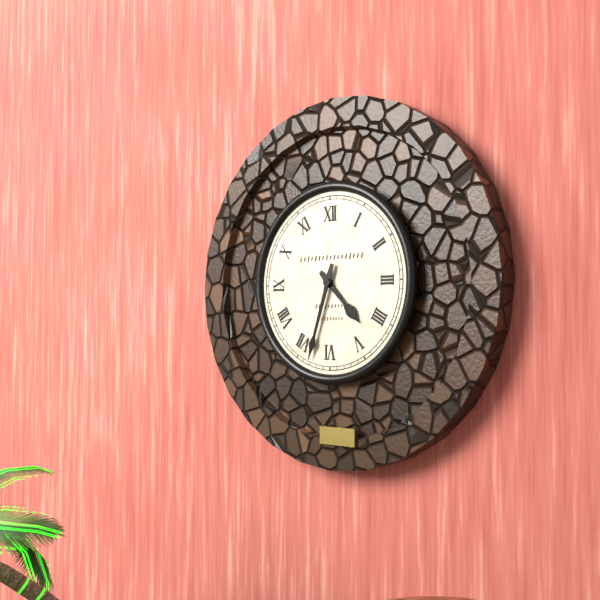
4:33
